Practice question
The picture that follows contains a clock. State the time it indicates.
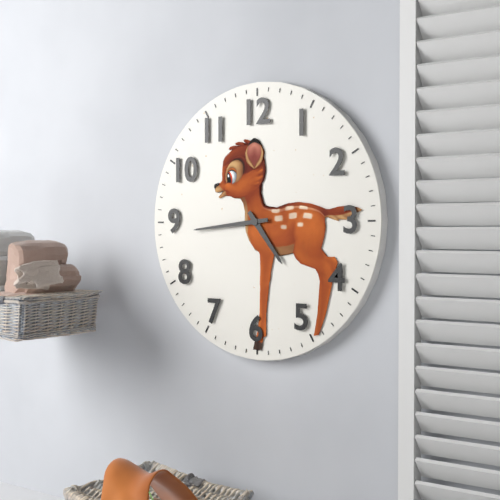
4:44
